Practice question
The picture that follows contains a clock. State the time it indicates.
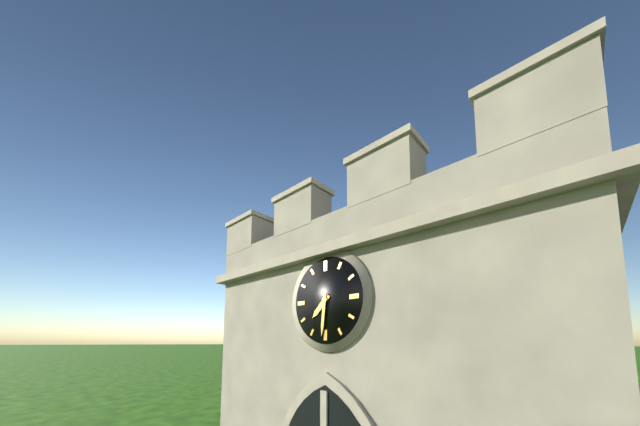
7:31
